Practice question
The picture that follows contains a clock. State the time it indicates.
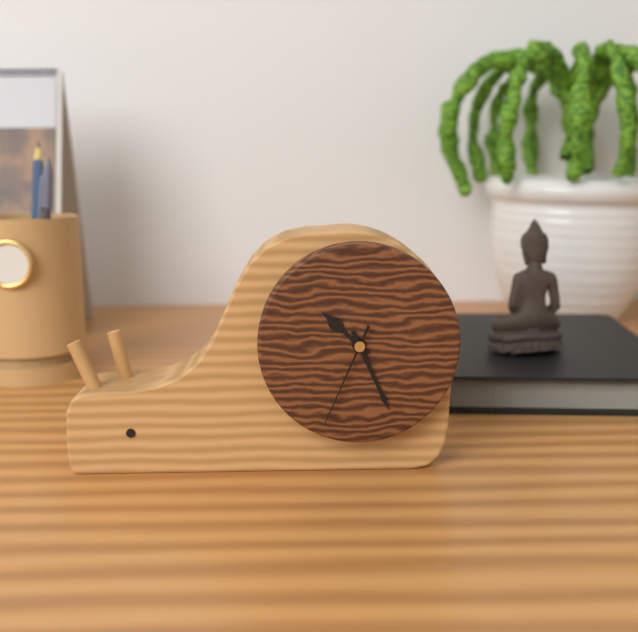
10:26:34
